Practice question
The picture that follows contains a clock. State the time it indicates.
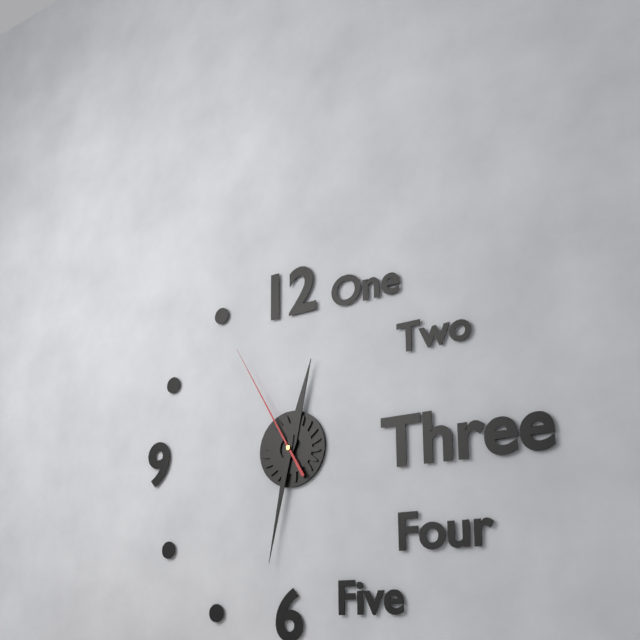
12:32:55
